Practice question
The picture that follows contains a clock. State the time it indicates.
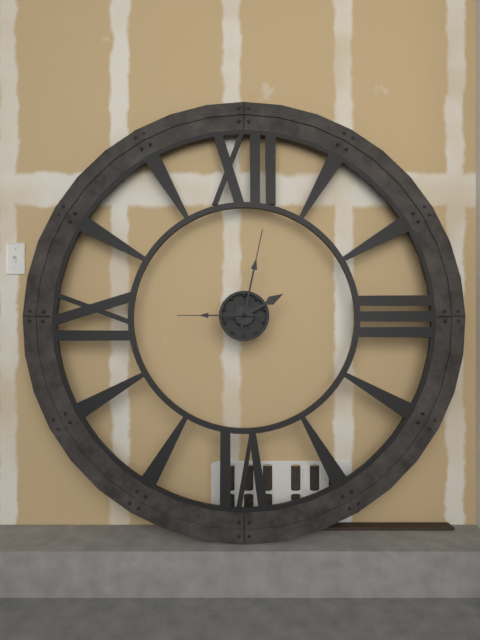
2:02:45
